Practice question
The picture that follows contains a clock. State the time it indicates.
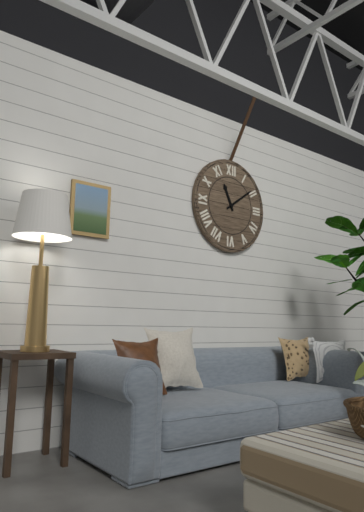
11:09
